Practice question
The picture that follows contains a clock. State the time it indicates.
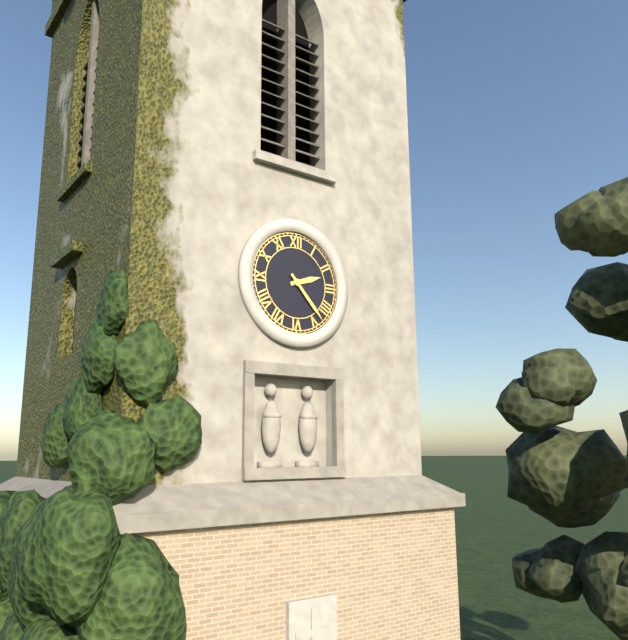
2:23
